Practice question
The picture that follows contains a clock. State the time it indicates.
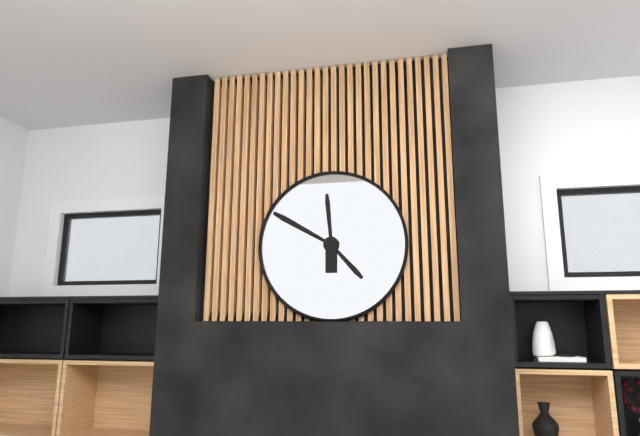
11:50:23
